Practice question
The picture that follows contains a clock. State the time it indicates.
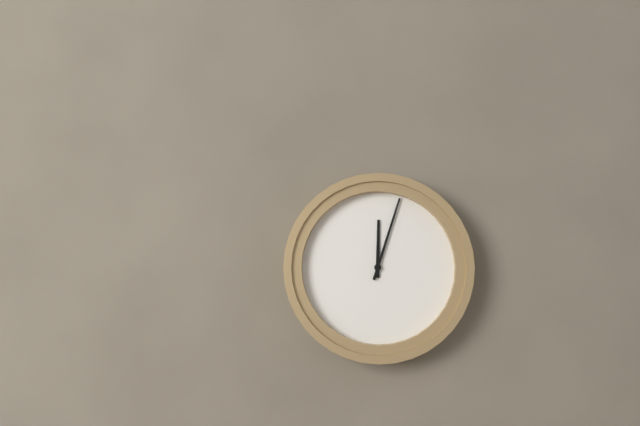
12:03
